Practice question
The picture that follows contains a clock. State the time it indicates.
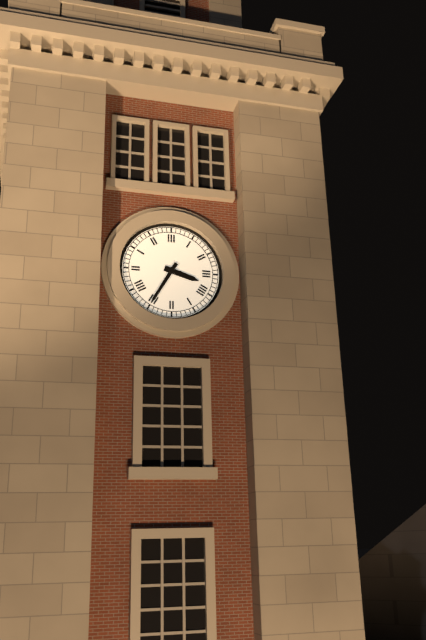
3:35
